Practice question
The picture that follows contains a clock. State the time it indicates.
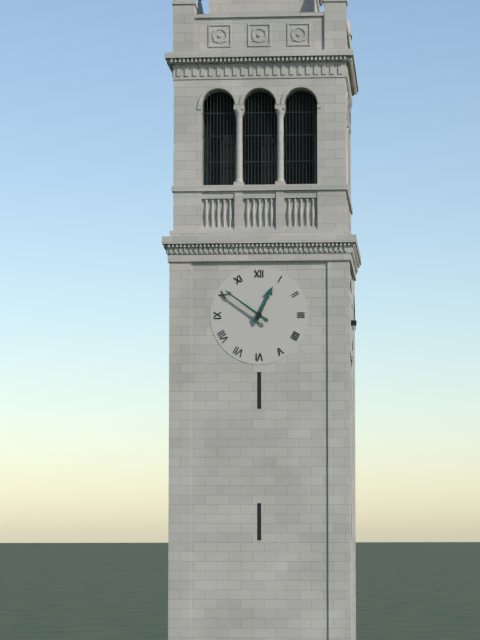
12:51
